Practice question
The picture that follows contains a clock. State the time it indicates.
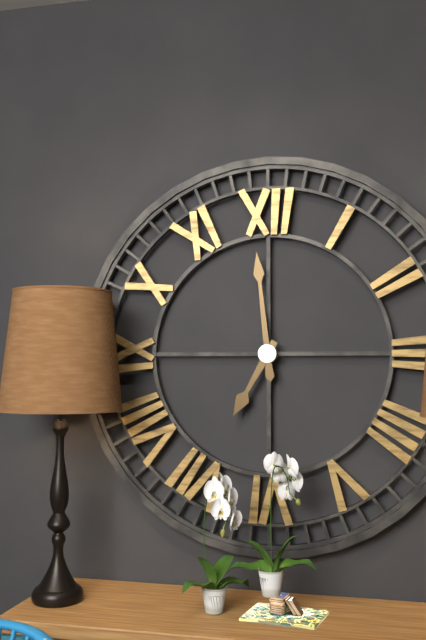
6:59
